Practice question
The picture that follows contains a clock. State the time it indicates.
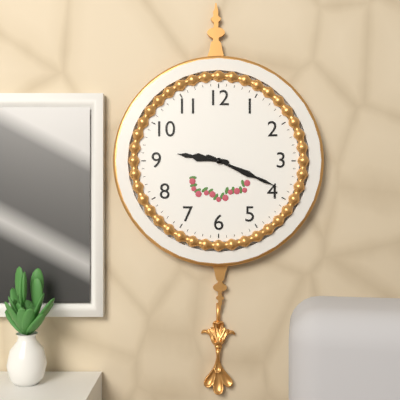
9:19
